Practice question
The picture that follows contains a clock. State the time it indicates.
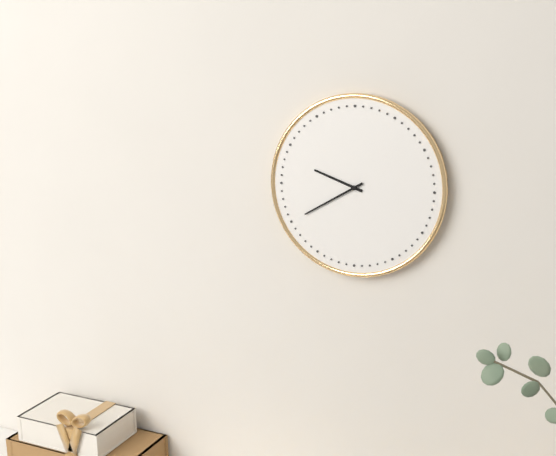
9:40
